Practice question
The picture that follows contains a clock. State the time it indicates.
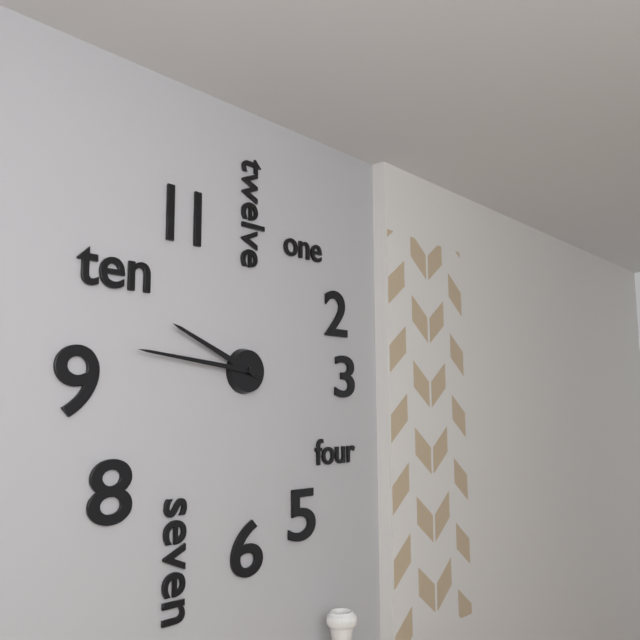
9:46
